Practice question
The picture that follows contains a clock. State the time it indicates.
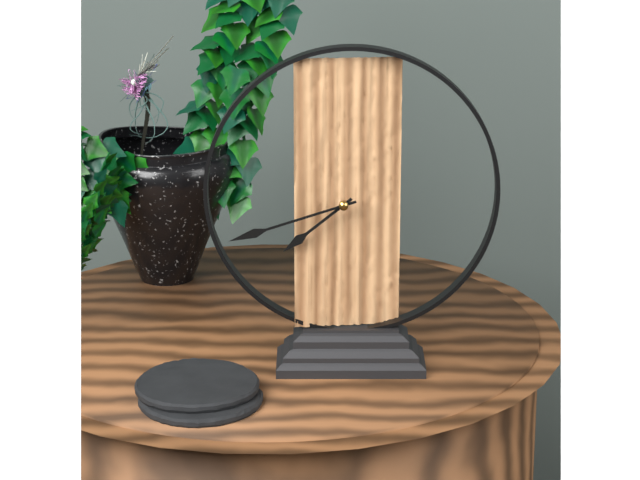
7:42
